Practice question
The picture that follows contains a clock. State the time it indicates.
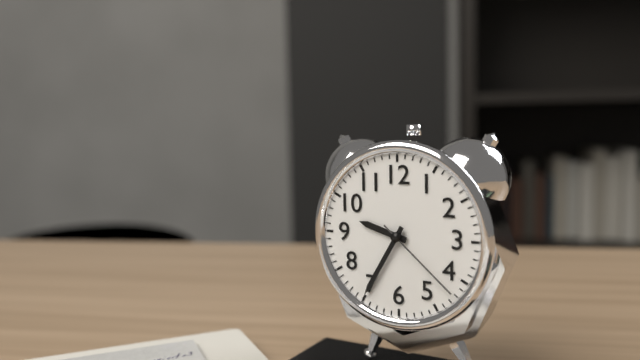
9:35:22
